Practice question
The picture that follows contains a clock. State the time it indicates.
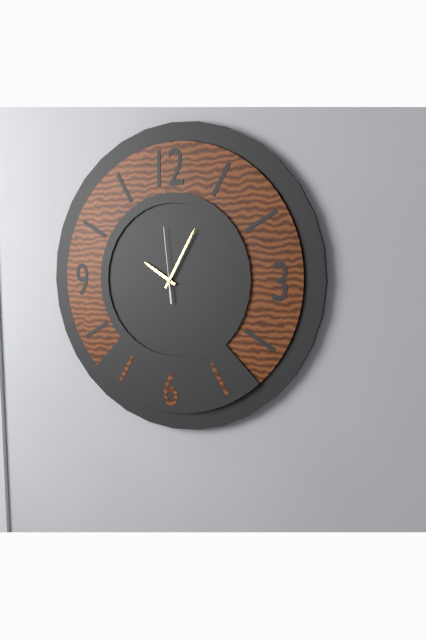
10:05:59
